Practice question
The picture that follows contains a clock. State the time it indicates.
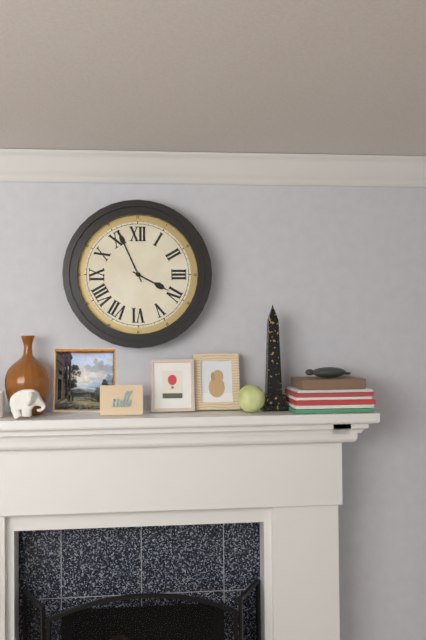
3:56
